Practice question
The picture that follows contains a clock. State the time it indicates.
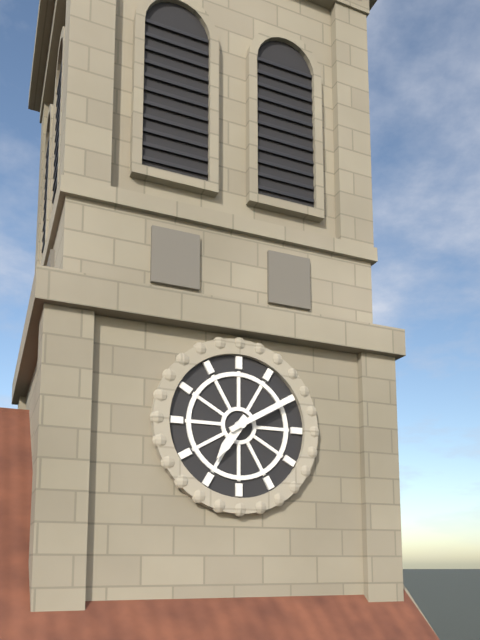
7:10
